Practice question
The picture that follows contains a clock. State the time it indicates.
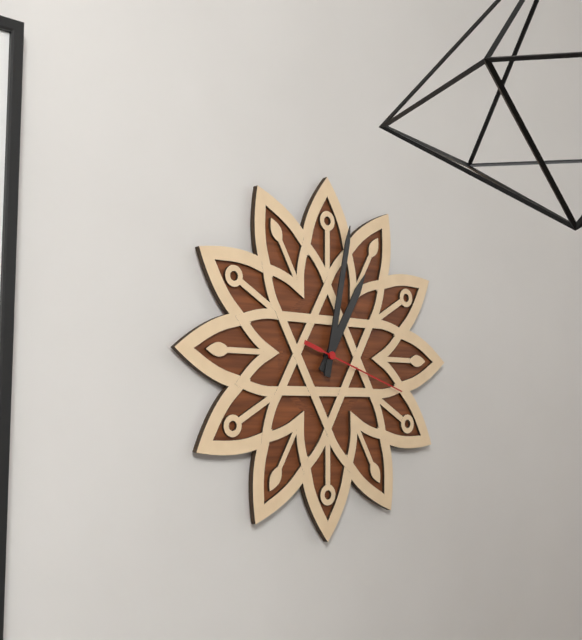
1:02:18
